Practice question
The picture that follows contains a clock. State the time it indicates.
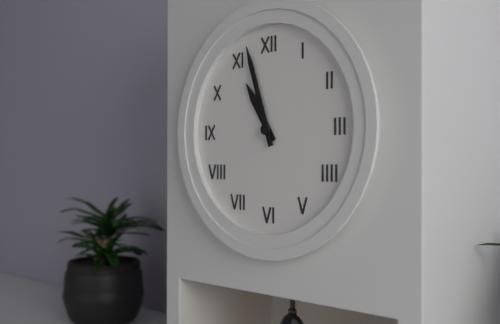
10:57
